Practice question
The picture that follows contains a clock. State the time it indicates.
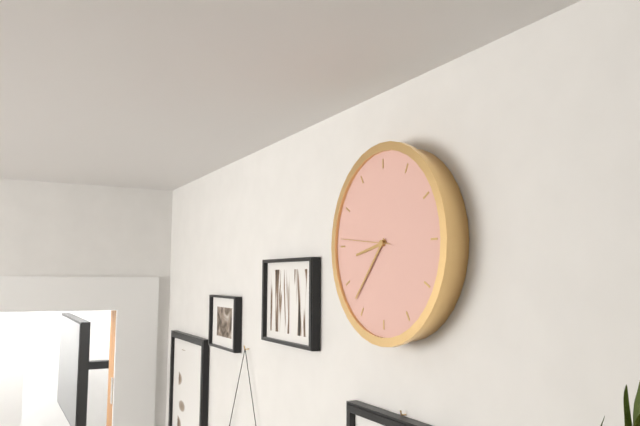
8:37:46
